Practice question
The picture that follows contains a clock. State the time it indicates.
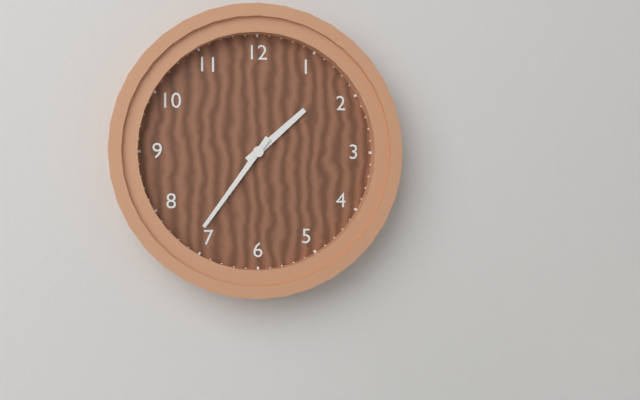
1:36
